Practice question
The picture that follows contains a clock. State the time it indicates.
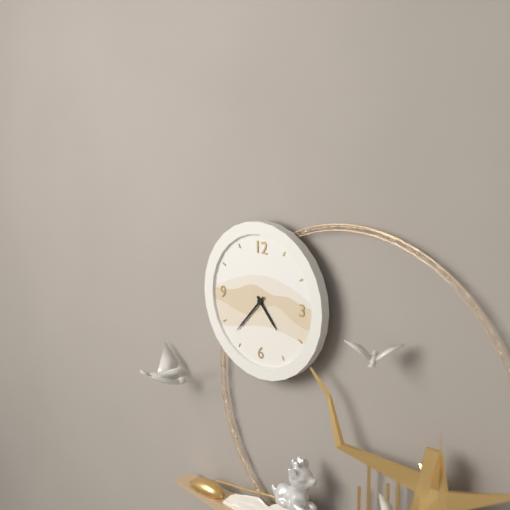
4:37
